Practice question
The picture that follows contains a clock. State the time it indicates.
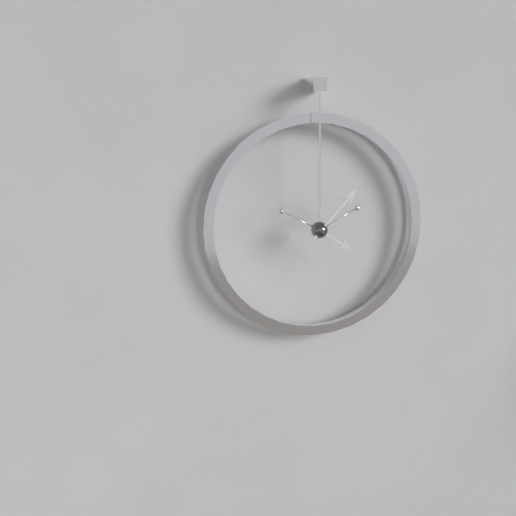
4:07
